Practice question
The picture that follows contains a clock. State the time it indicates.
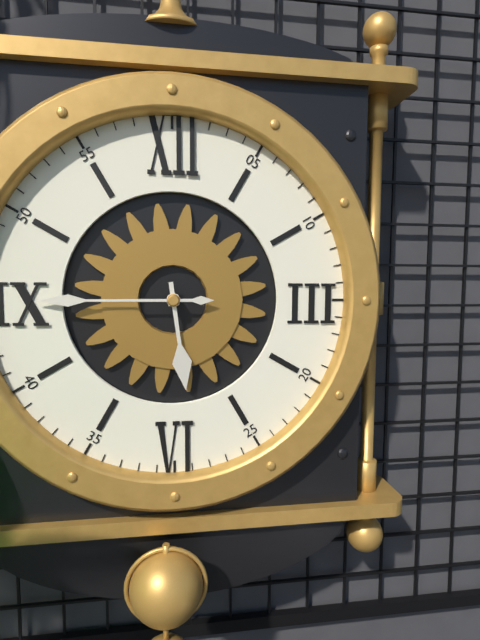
5:45
